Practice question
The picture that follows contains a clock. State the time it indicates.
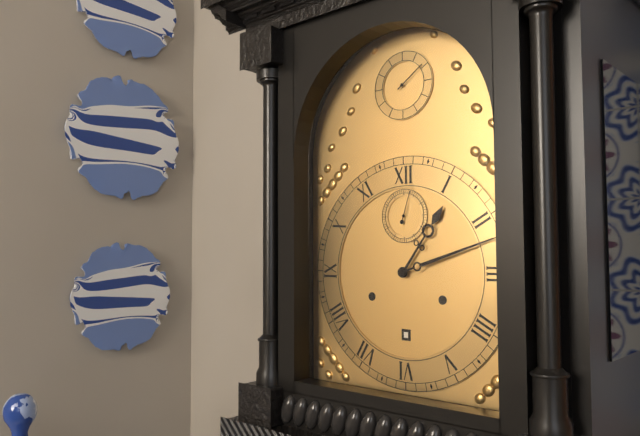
1:12
